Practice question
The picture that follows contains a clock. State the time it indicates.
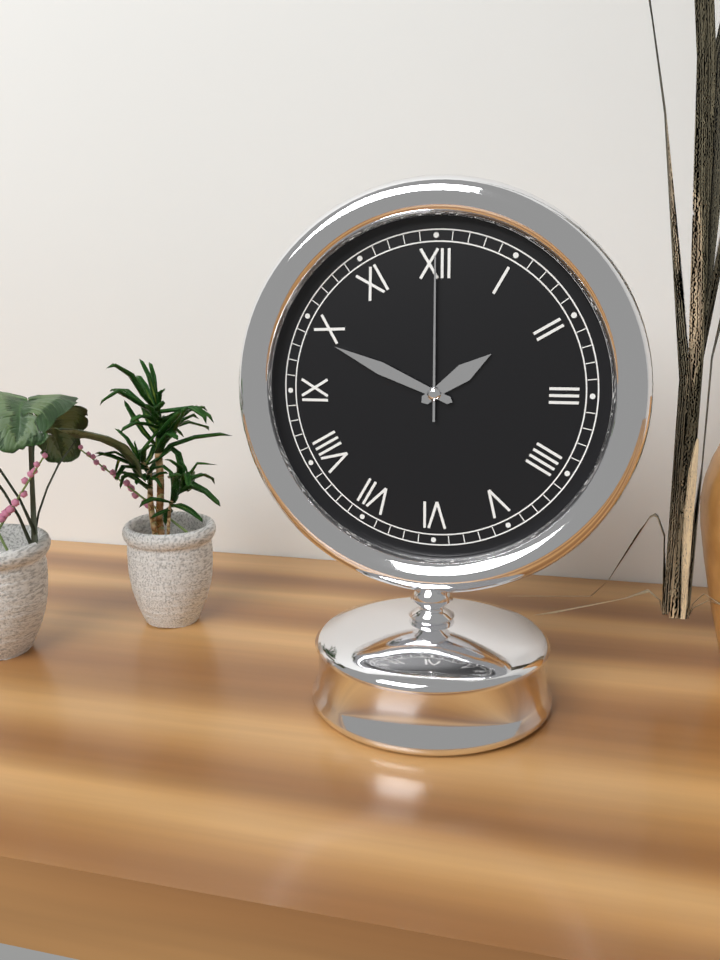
1:49:00
